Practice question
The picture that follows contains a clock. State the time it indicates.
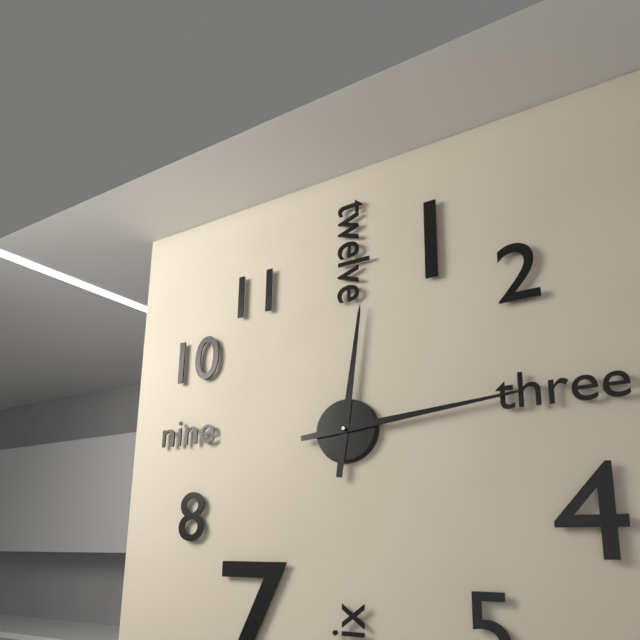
12:14
